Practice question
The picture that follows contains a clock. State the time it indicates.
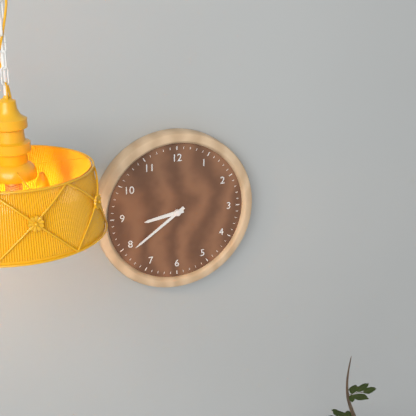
8:39
